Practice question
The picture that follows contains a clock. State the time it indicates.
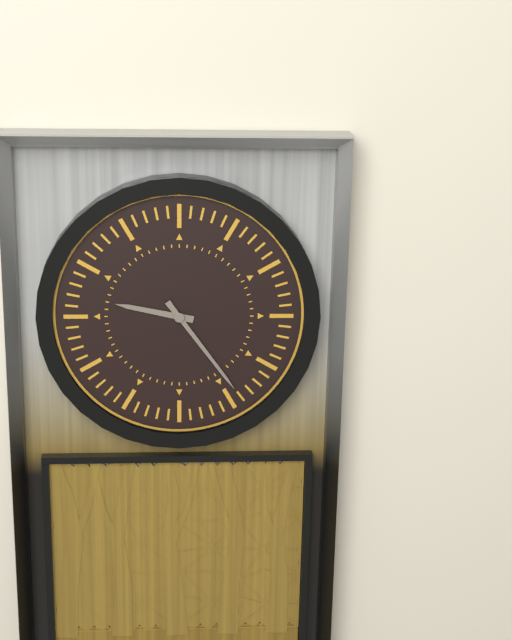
9:24
